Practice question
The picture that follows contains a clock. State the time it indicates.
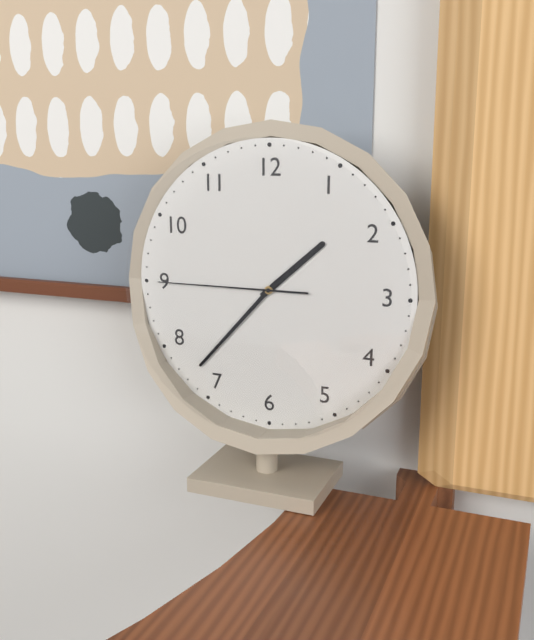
1:37:45
